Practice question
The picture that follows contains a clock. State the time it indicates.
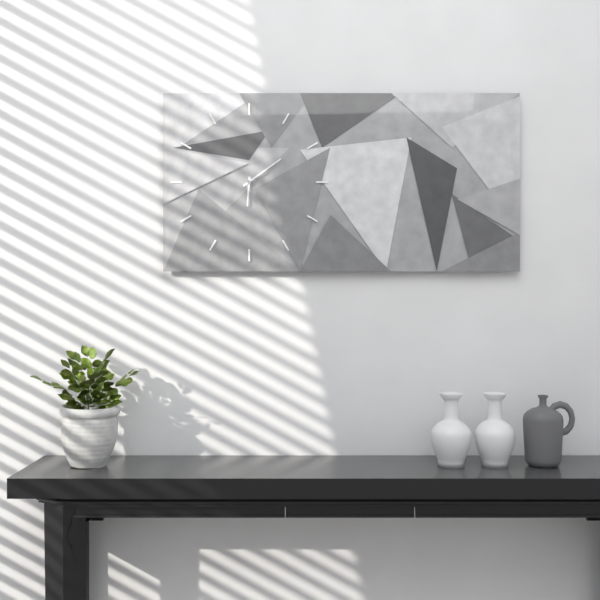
6:09
